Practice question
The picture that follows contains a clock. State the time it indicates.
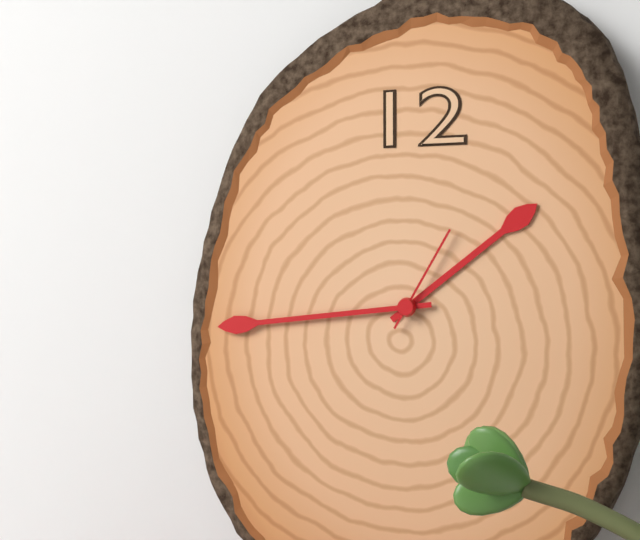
1:44:05
